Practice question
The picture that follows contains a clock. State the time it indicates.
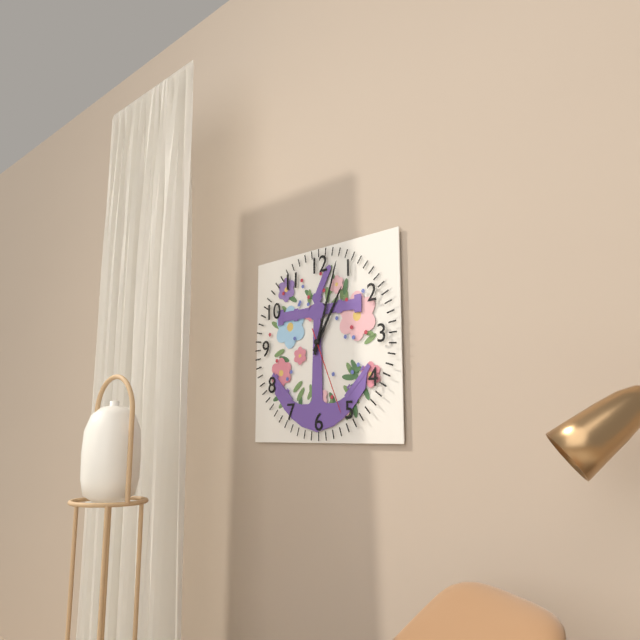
1:03:26
